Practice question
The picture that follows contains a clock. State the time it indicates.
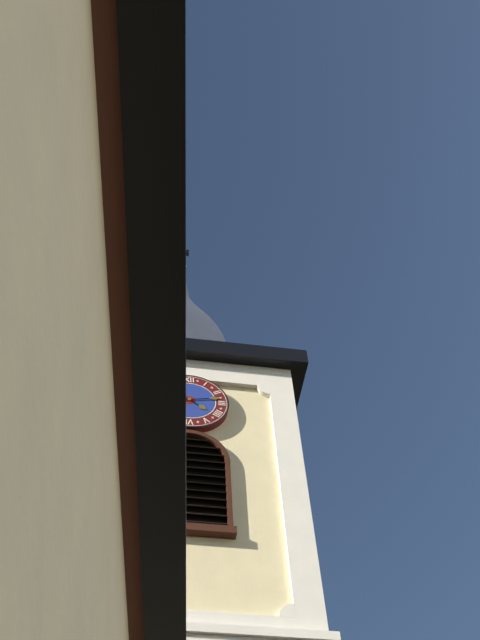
4:13
